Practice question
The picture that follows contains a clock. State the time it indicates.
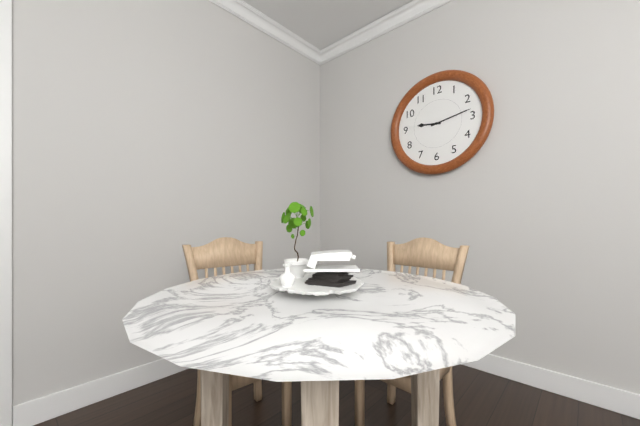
9:13
